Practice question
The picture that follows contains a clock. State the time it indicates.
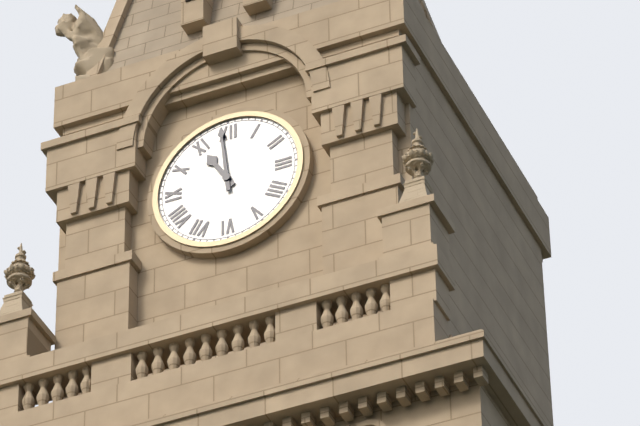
10:59
